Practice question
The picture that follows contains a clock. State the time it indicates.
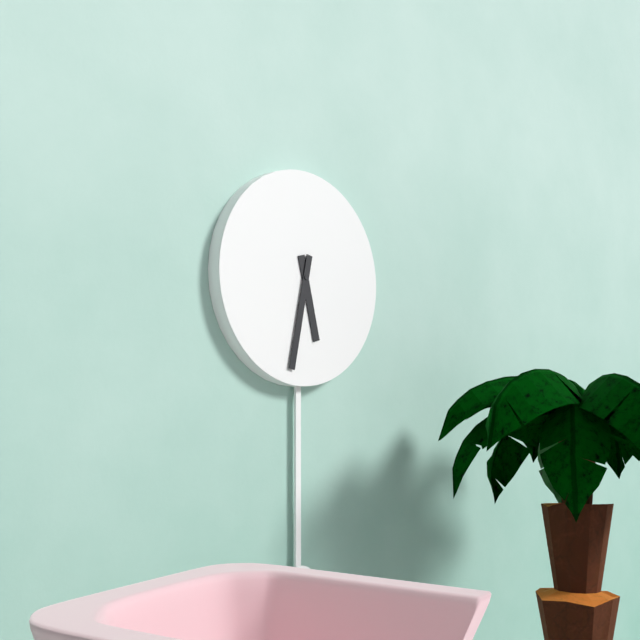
5:32
